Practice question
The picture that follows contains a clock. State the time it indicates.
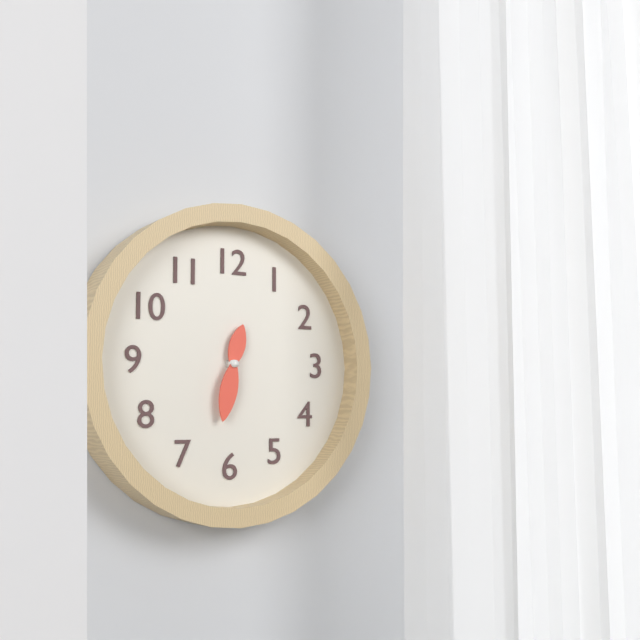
12:32
